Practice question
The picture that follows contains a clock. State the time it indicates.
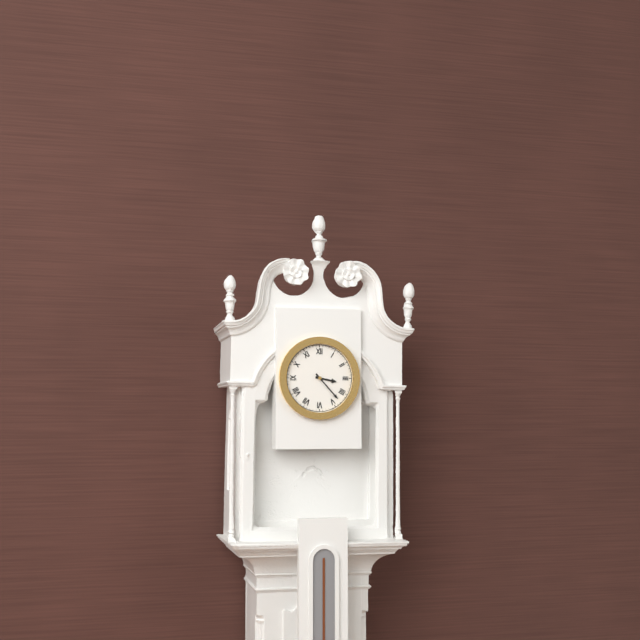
3:23
